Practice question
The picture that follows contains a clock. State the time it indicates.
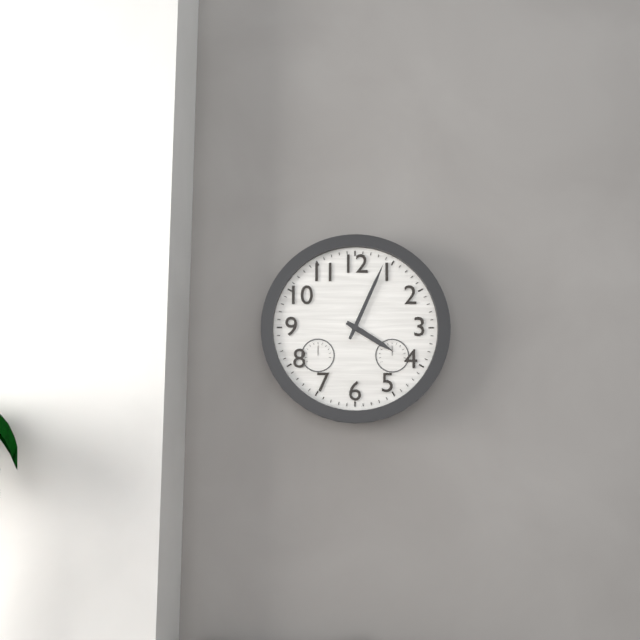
4:04
